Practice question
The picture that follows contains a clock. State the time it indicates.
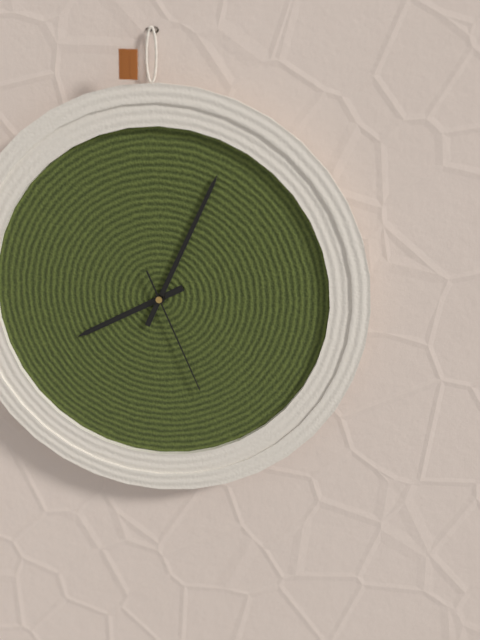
8:04:26
